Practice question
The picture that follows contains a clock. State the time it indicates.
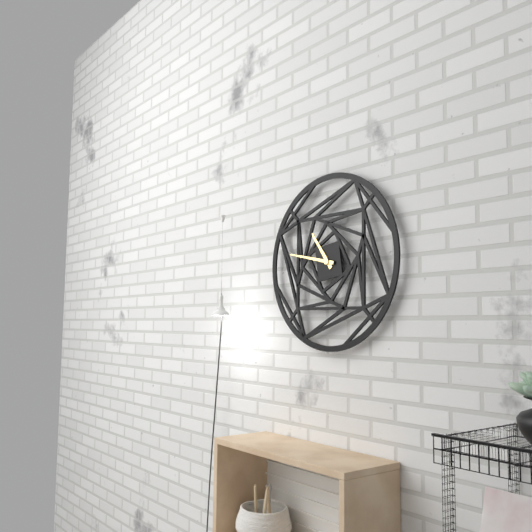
10:47
